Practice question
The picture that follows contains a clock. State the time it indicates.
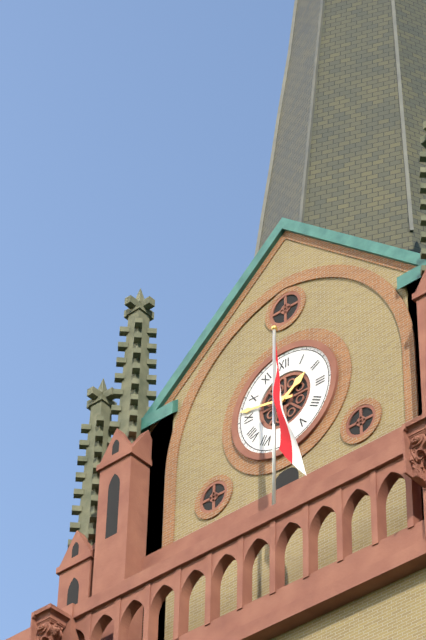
1:47
